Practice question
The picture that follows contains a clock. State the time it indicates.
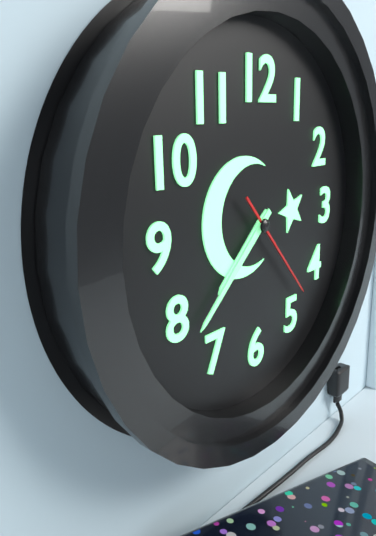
7:38:23
